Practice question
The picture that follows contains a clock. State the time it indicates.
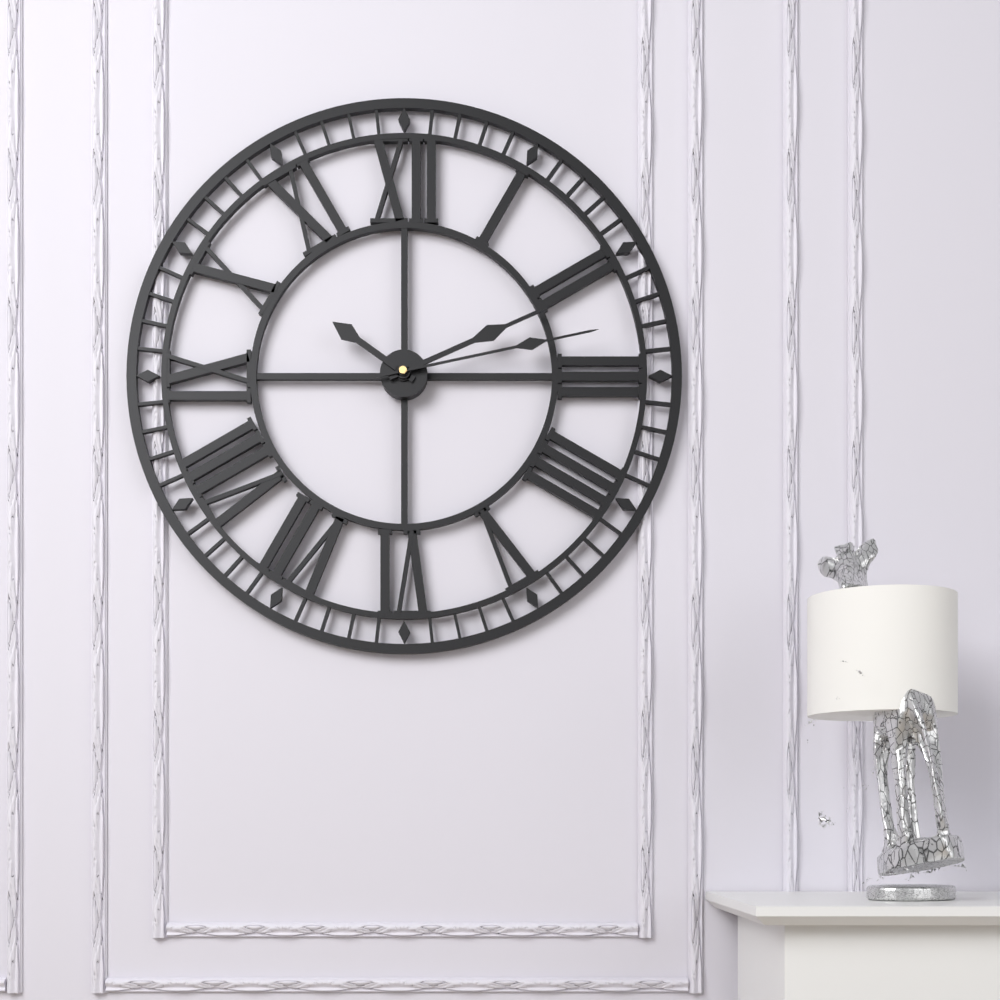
10:11:13
